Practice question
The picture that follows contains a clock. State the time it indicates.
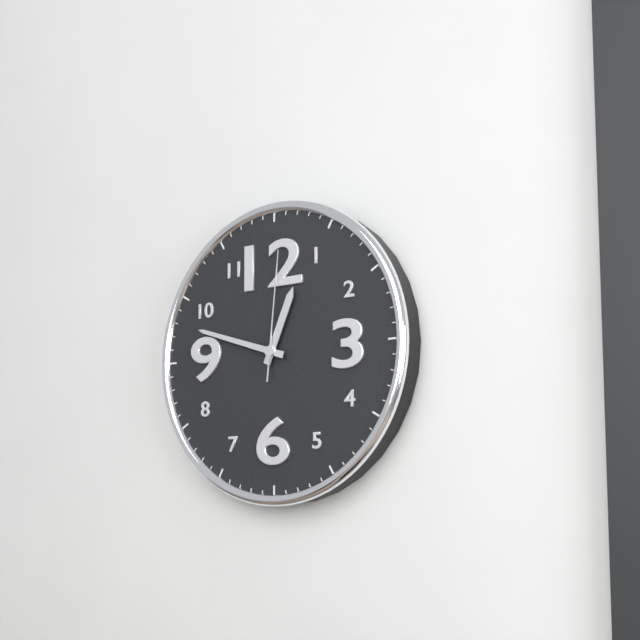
12:48:01
